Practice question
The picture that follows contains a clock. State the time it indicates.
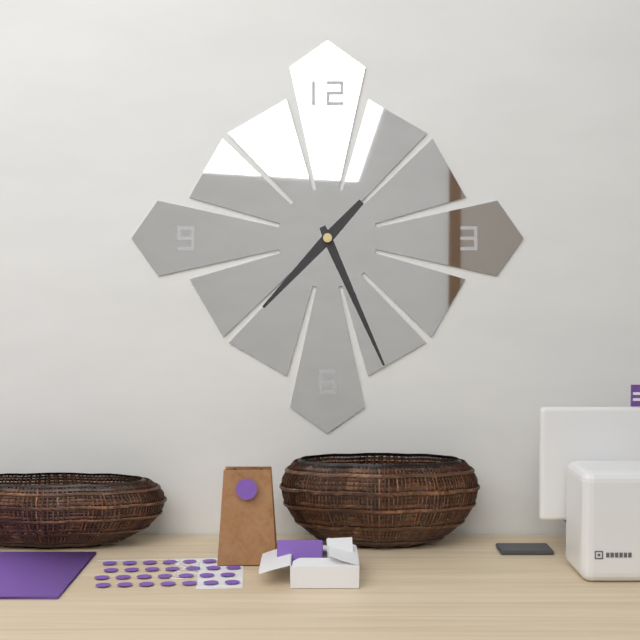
7:26
